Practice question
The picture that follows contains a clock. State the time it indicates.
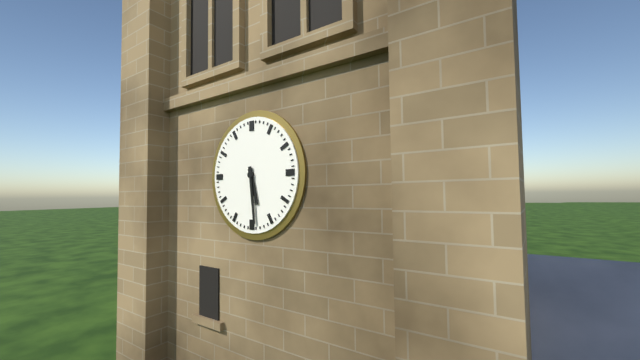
5:29
